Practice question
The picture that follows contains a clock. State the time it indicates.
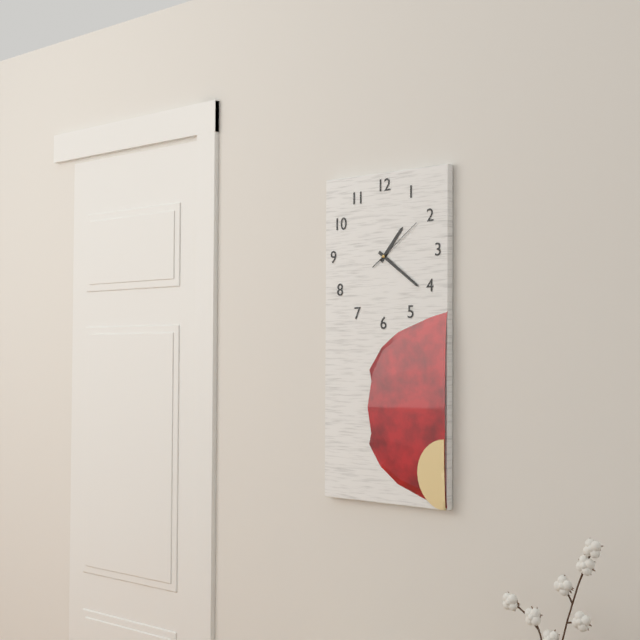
1:21:09
